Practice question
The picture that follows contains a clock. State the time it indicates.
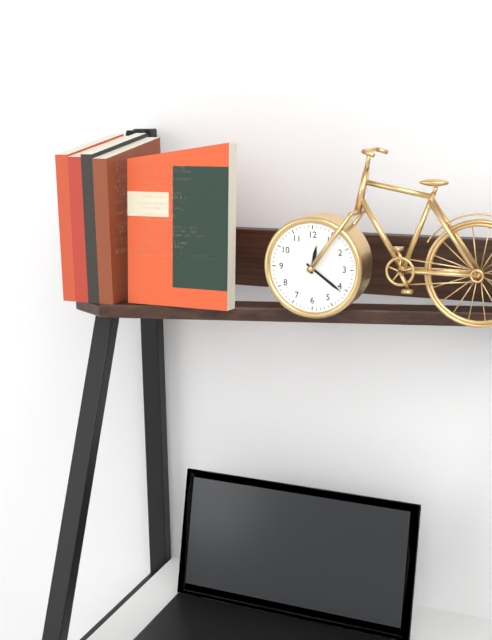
12:21
